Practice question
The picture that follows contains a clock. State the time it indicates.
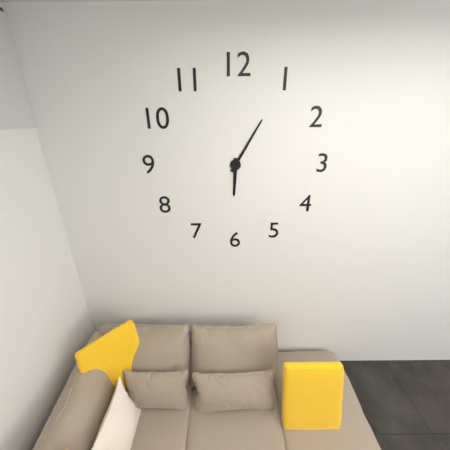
6:05
